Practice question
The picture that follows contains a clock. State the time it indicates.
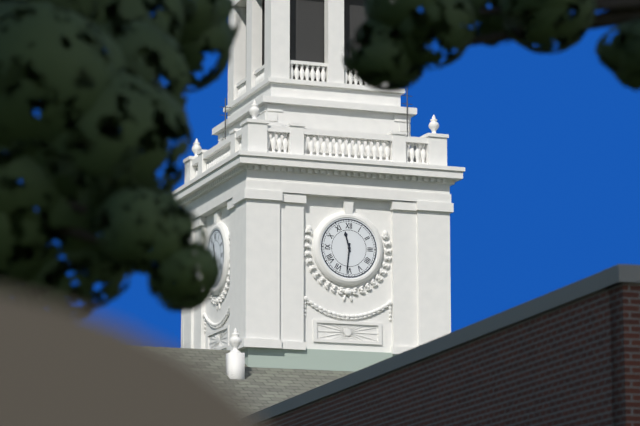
11:31
